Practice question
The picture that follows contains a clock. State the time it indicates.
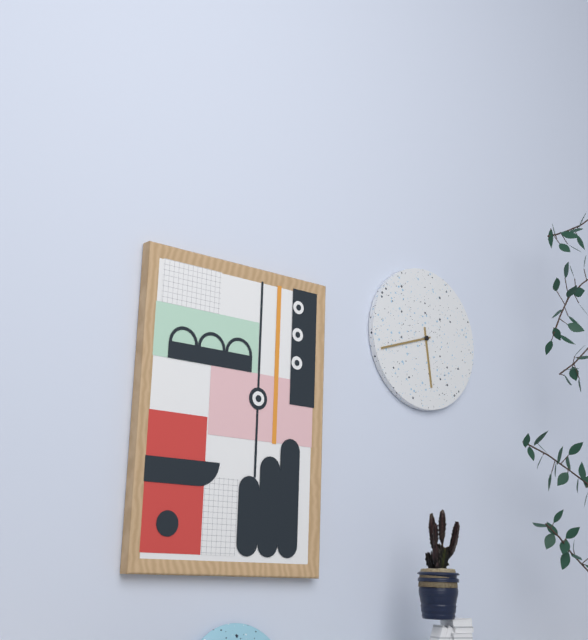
5:42
